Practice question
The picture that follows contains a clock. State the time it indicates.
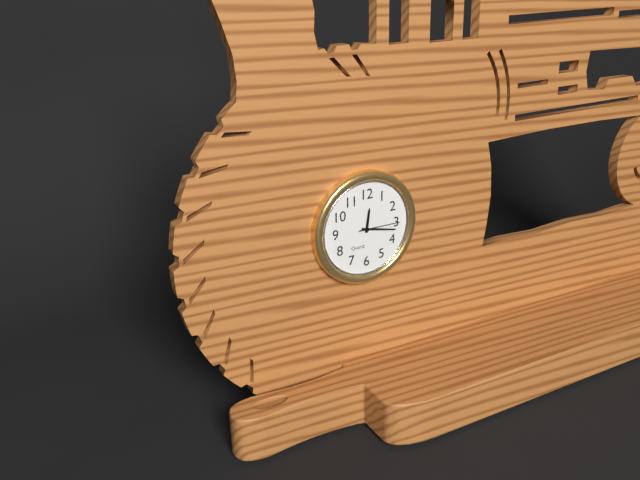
12:17
